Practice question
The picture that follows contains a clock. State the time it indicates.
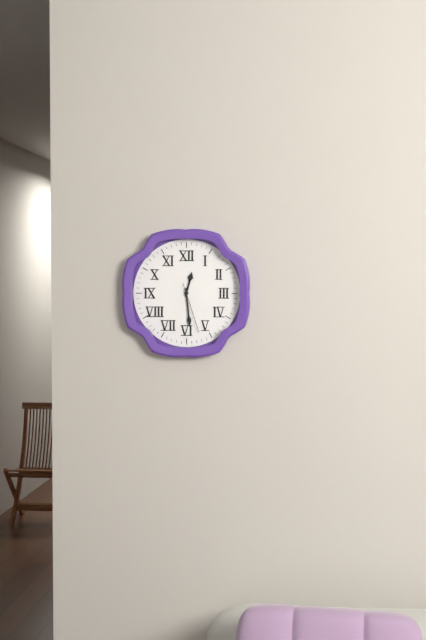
12:29:27
